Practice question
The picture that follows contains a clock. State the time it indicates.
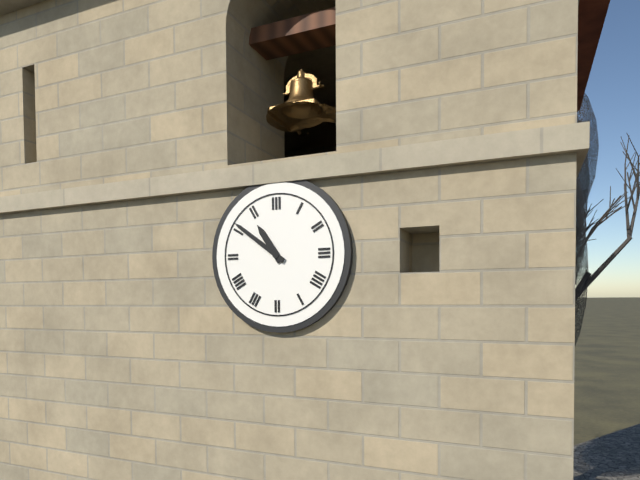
10:51
